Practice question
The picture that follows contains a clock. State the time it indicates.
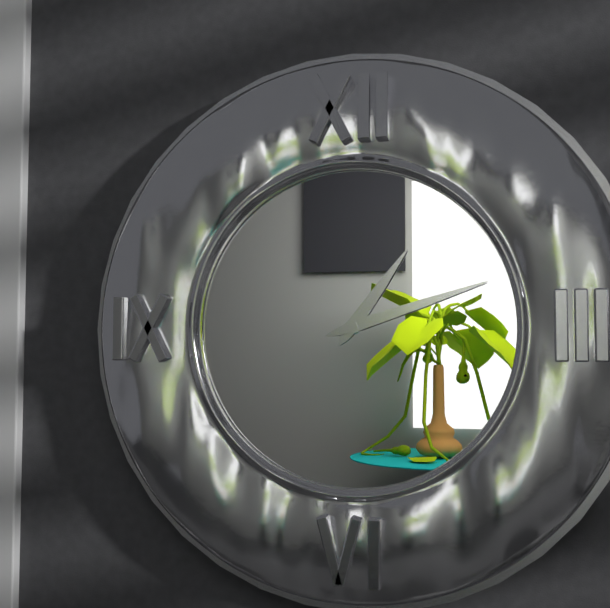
1:12
